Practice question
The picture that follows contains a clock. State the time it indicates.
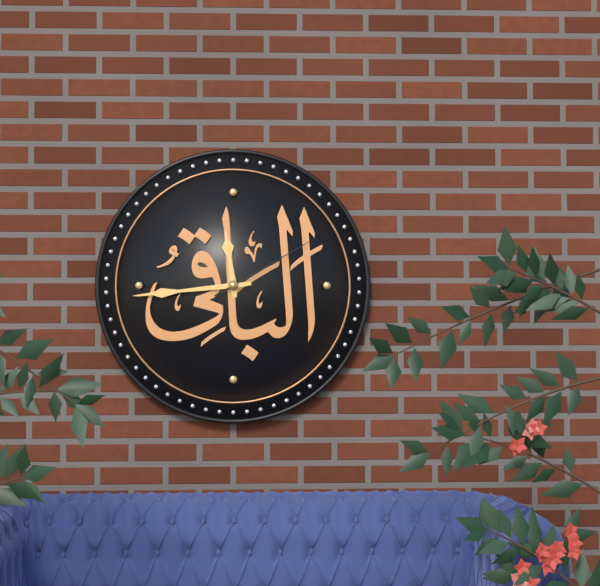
11:44:10
